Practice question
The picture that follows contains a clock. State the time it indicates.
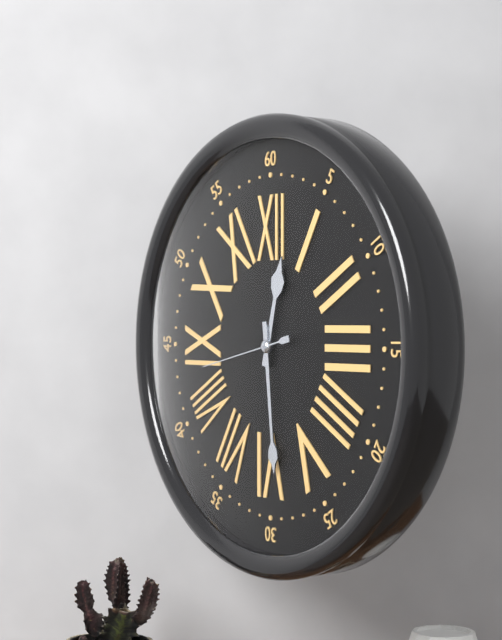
12:29:43
